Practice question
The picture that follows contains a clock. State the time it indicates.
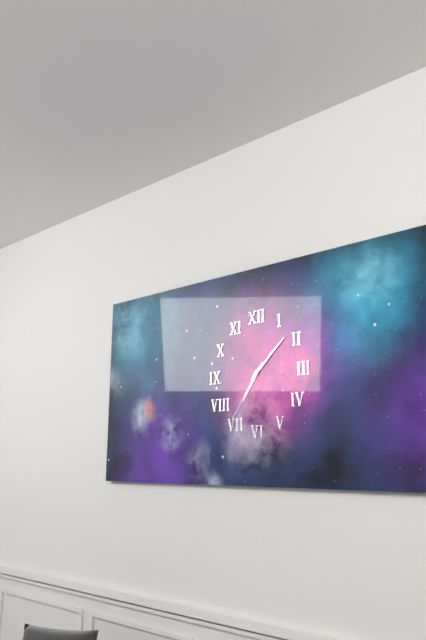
7:08:36
